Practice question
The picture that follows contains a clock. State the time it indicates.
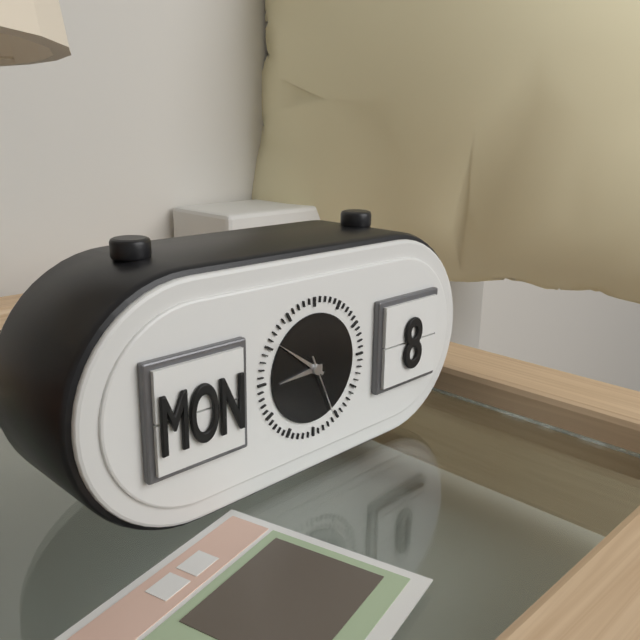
8:51:26
